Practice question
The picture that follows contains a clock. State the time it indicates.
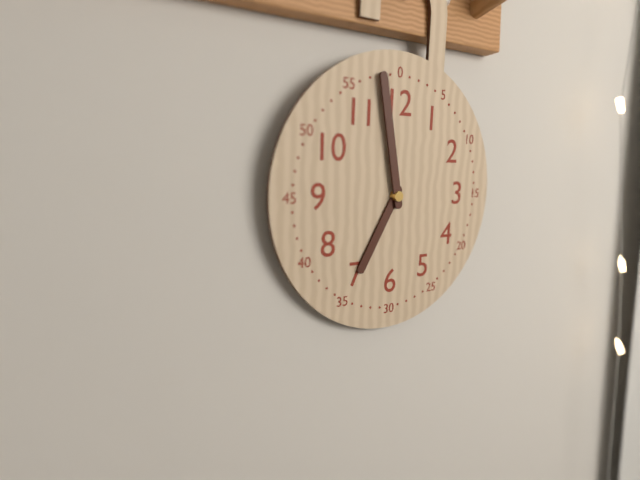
6:58
